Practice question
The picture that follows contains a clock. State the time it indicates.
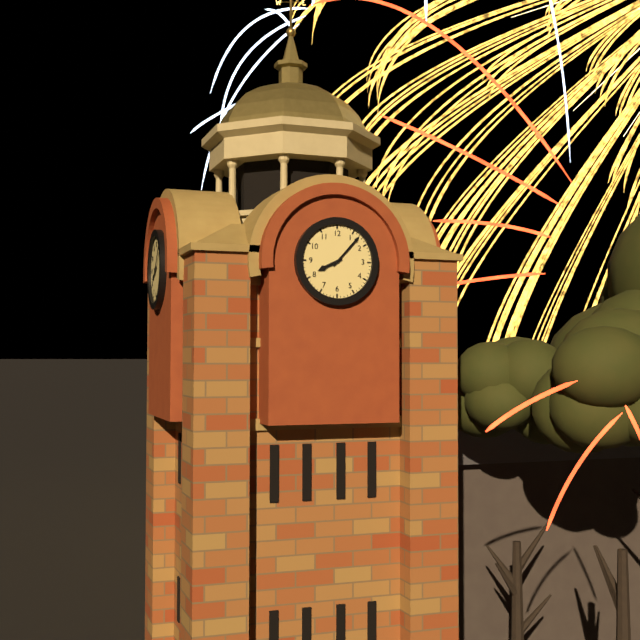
8:07
